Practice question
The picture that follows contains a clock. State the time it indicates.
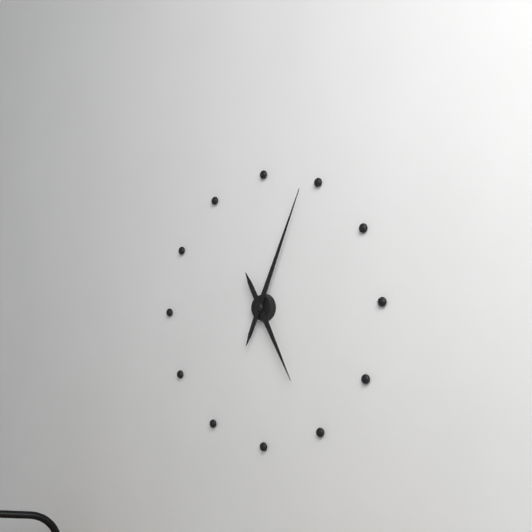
5:04
